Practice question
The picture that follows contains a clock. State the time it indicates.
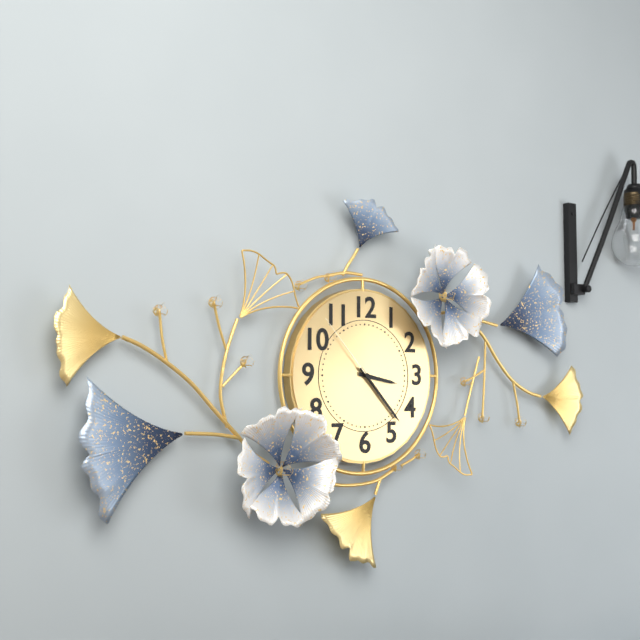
3:23:53
